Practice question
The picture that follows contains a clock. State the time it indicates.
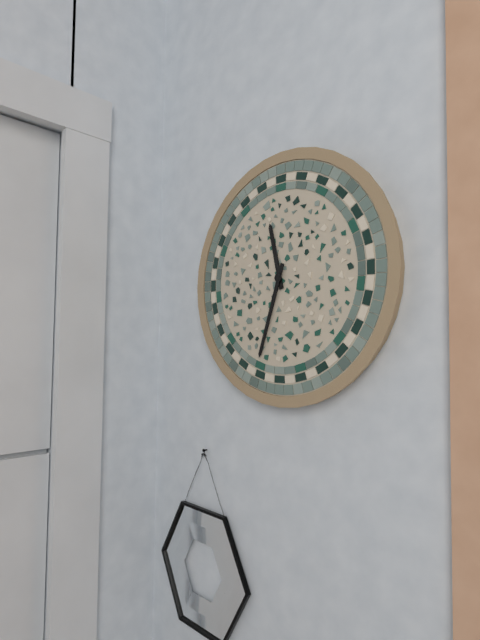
11:33
